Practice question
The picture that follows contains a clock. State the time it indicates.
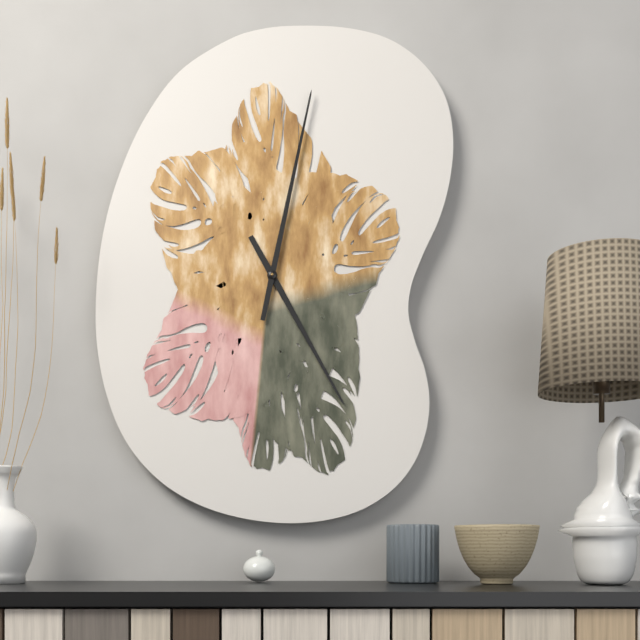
5:02
